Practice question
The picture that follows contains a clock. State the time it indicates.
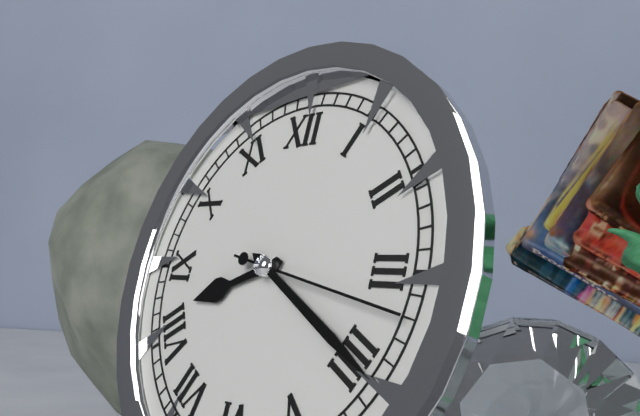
8:20:17
